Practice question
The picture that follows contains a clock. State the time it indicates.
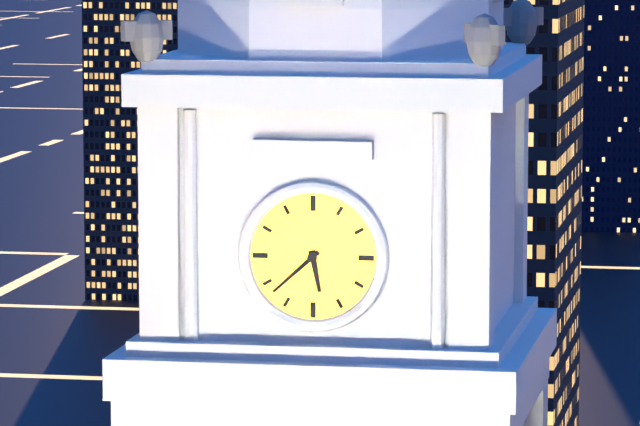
5:38
